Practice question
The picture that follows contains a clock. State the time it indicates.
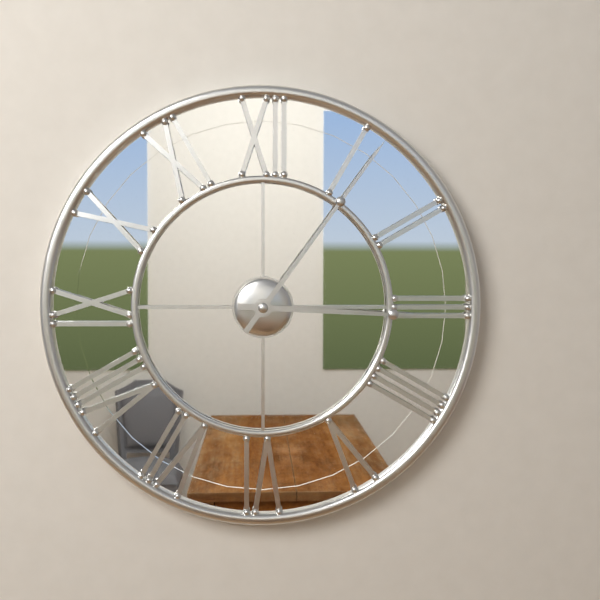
3:06
